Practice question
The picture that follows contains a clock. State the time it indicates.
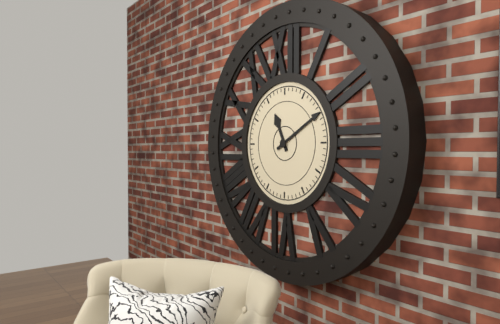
11:10
